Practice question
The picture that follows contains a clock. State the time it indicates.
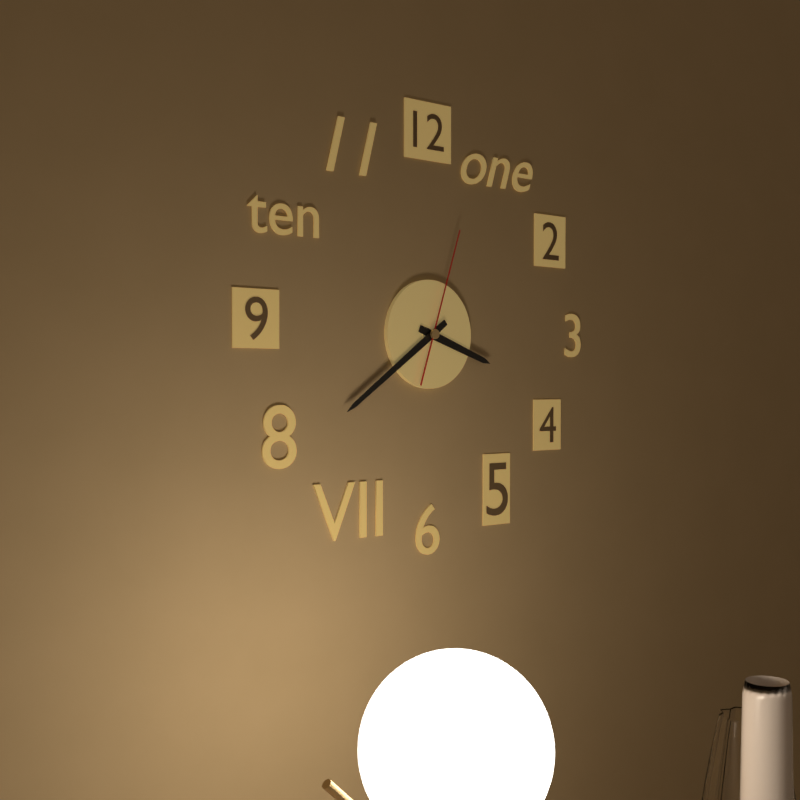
3:39:03
